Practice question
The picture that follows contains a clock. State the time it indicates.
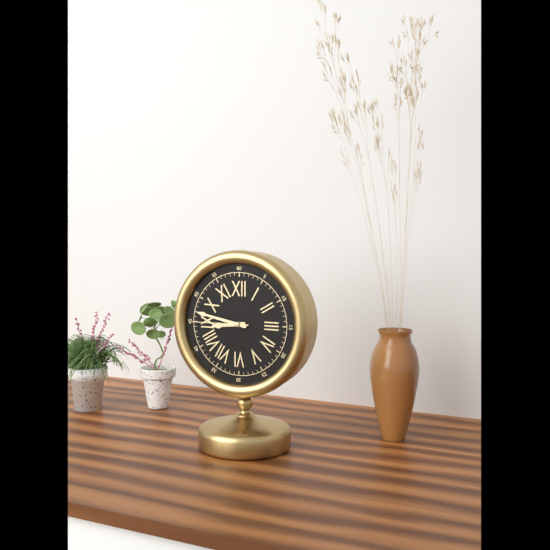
8:47:45
